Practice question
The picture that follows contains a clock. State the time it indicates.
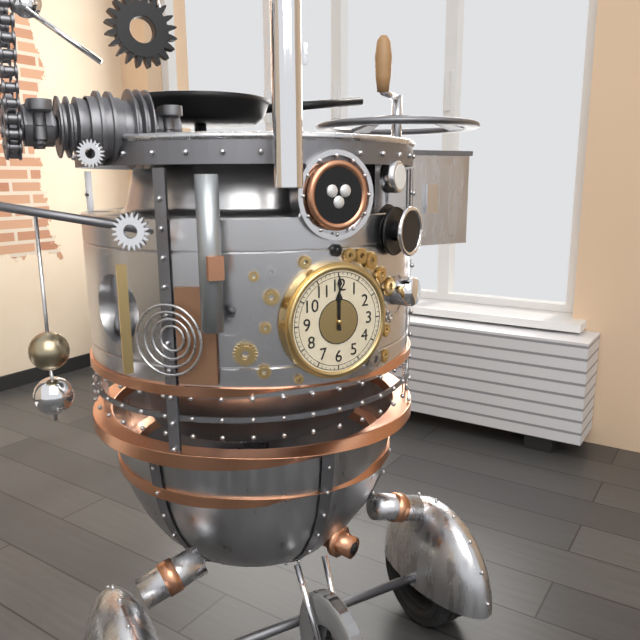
12:00
